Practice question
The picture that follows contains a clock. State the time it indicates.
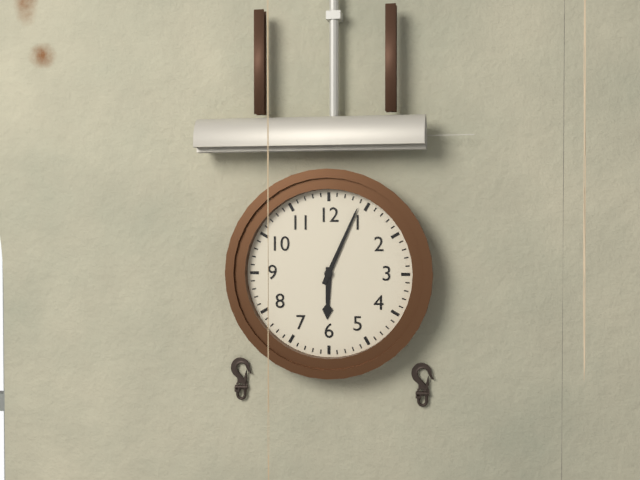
6:04
